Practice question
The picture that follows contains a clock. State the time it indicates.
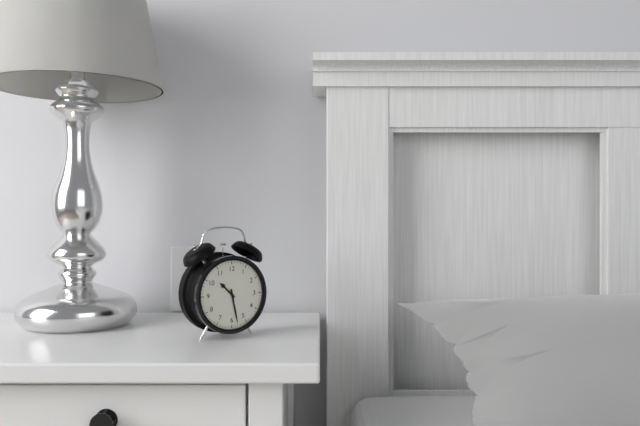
10:28
